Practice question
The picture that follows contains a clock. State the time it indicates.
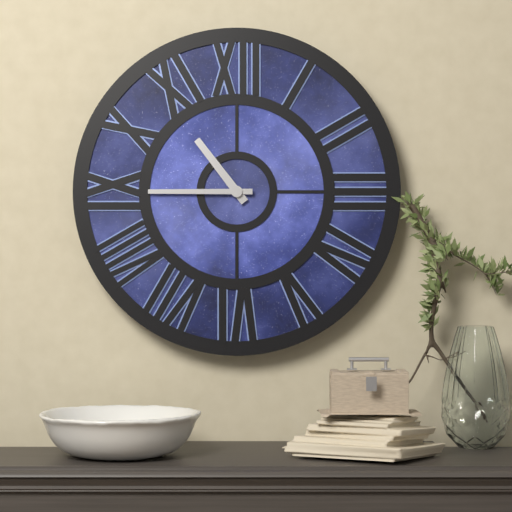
10:45
